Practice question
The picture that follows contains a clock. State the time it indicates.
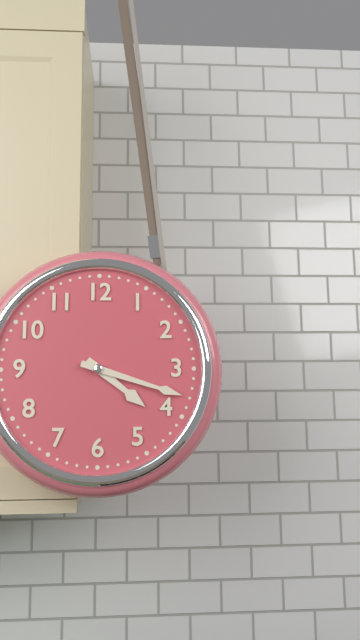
4:18
